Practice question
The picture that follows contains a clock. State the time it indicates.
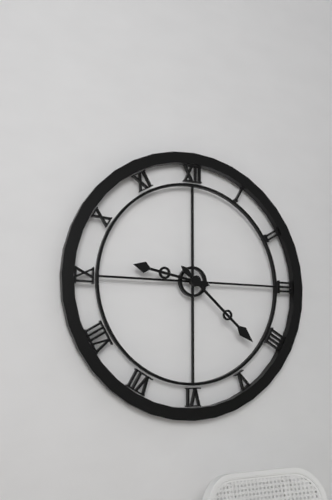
9:22
